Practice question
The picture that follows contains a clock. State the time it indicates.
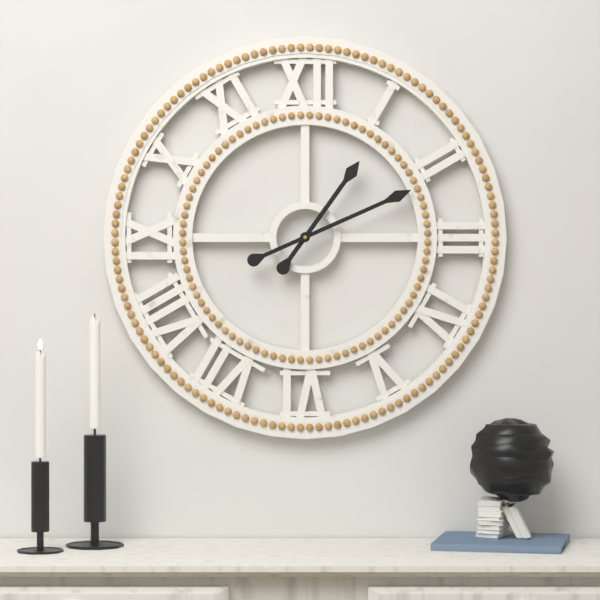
1:11
